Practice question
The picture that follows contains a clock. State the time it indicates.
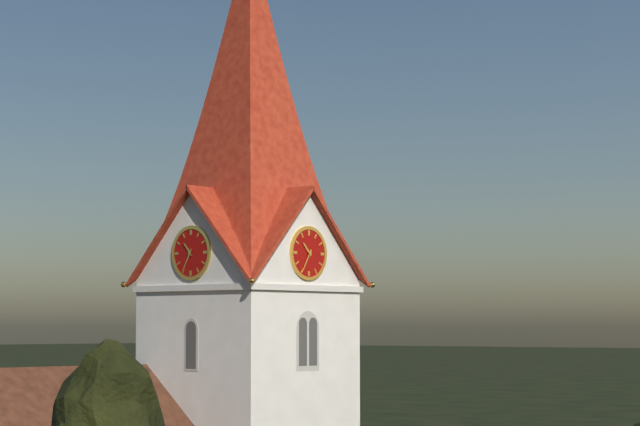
10:35
